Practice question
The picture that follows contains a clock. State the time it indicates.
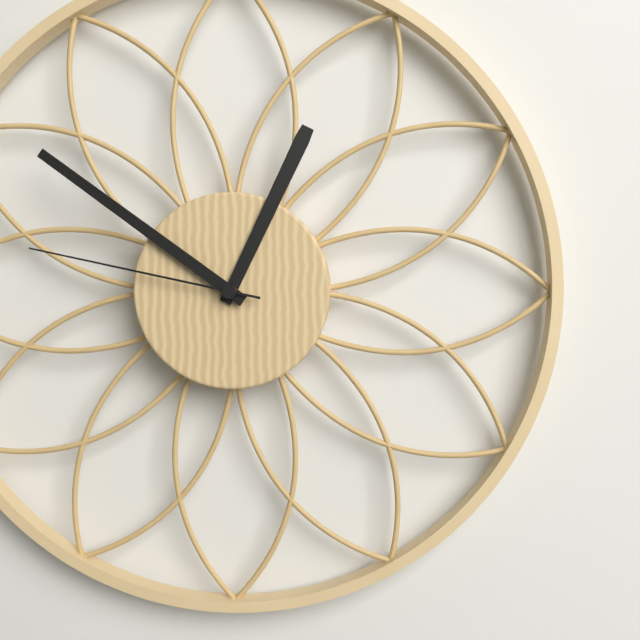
12:51:47
